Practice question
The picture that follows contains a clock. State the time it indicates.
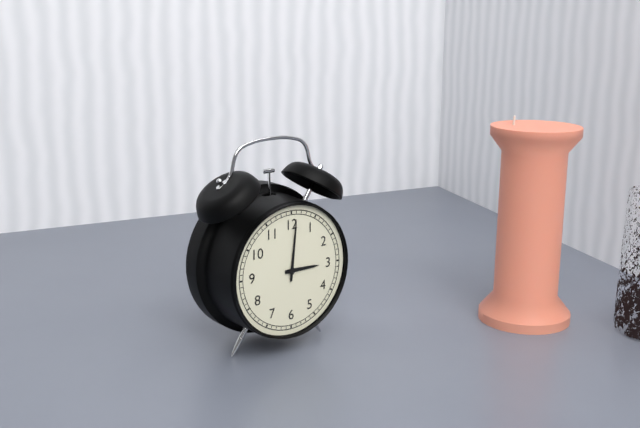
3:01
